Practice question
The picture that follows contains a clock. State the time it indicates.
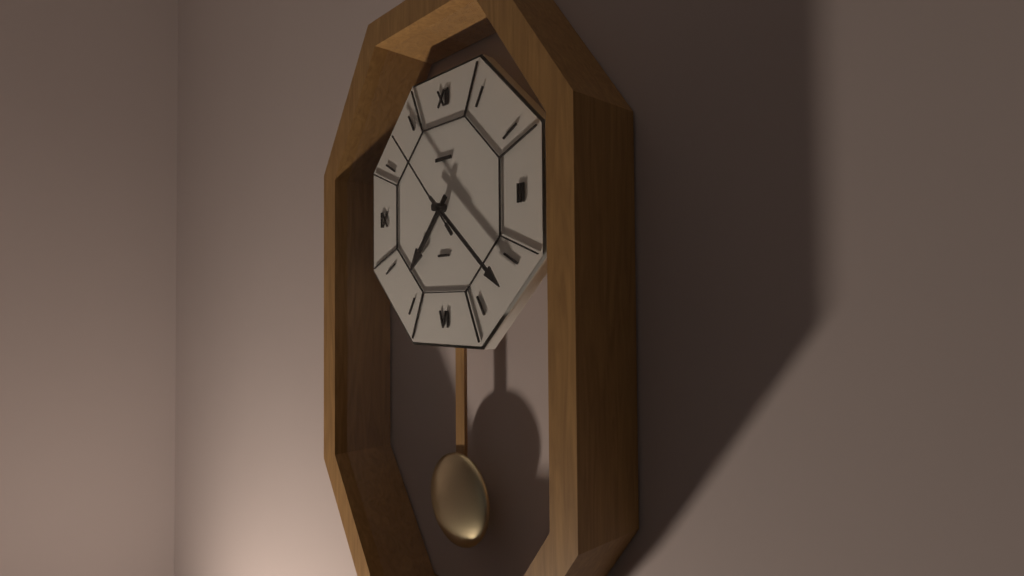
7:22:53
